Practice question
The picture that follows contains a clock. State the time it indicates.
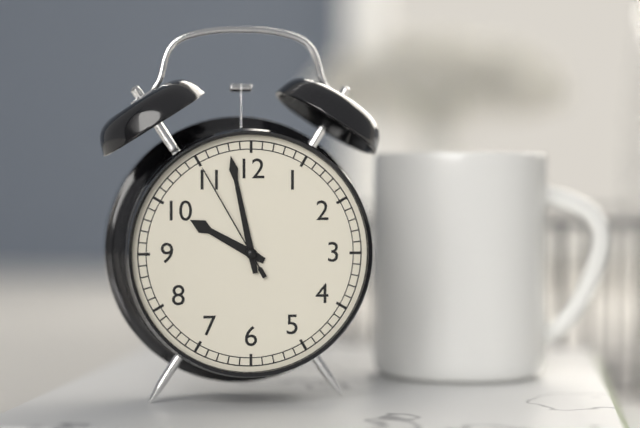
9:58:55
